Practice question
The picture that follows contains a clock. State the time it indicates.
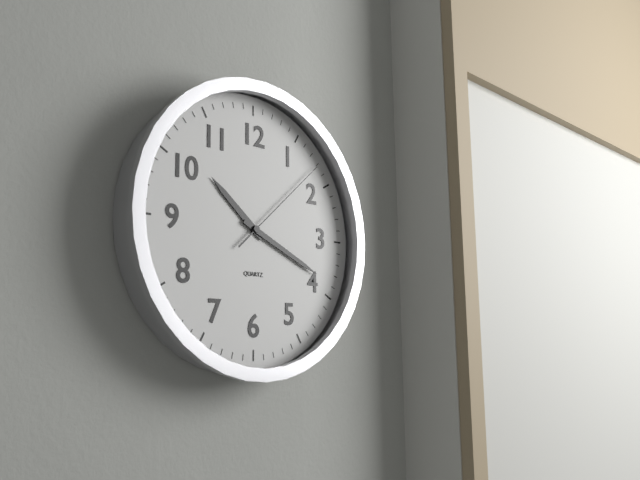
10:19:08
